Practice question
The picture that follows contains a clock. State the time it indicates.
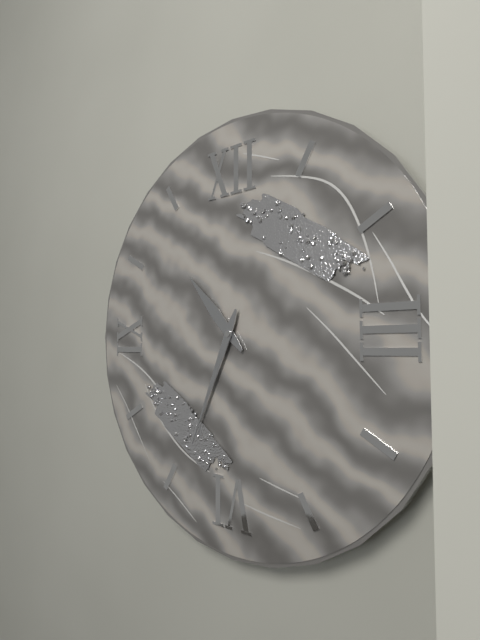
10:34
